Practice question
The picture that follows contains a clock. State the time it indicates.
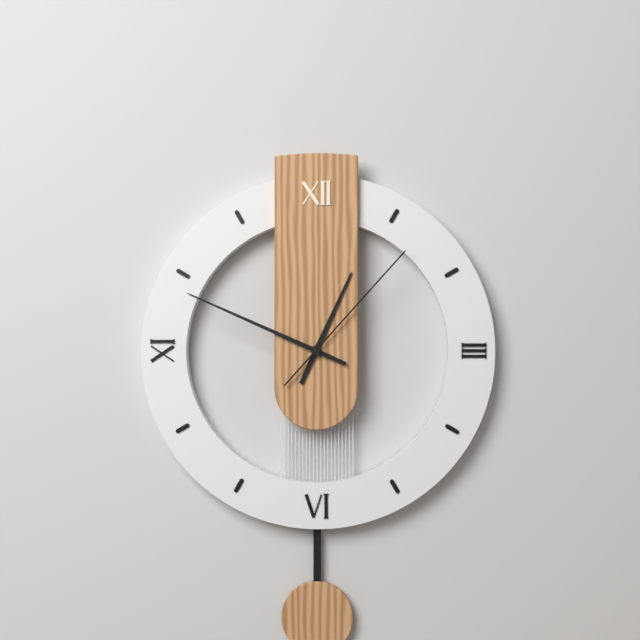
12:49:07
